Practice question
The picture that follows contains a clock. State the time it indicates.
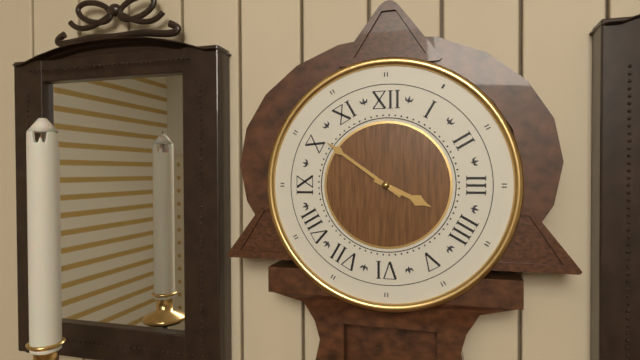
3:51
